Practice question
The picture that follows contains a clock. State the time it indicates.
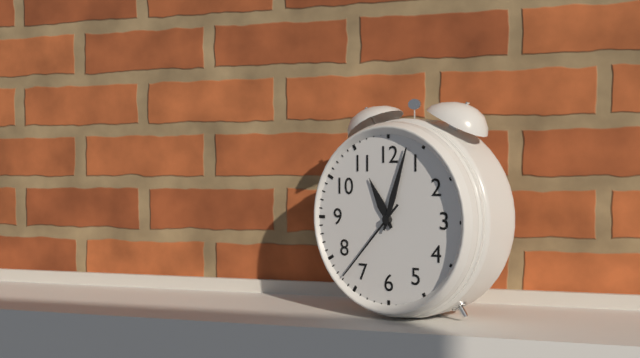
11:03:37
